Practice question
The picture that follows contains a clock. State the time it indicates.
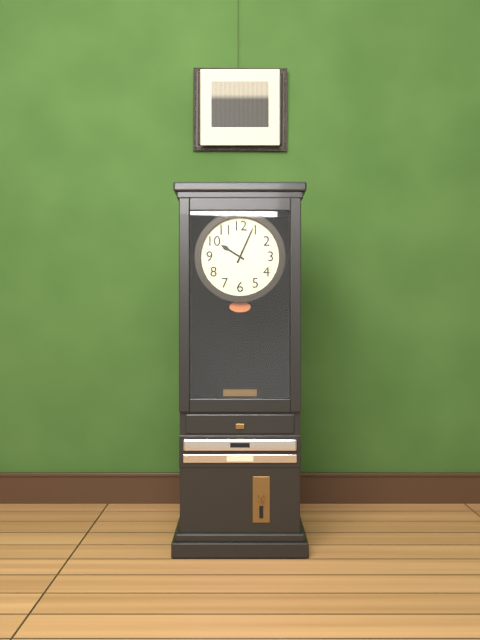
10:04
